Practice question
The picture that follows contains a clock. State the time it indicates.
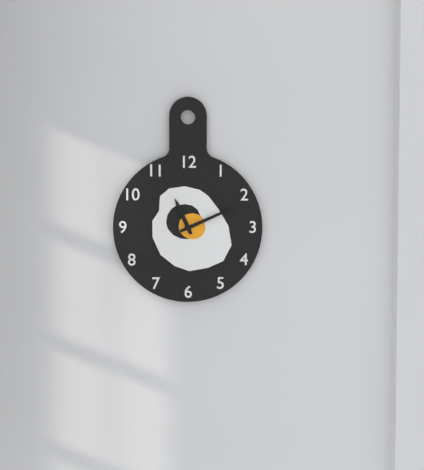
11:11
